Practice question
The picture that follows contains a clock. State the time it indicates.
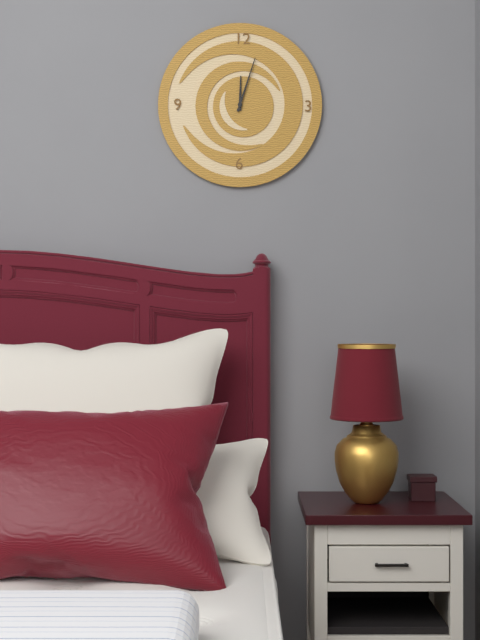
12:03
